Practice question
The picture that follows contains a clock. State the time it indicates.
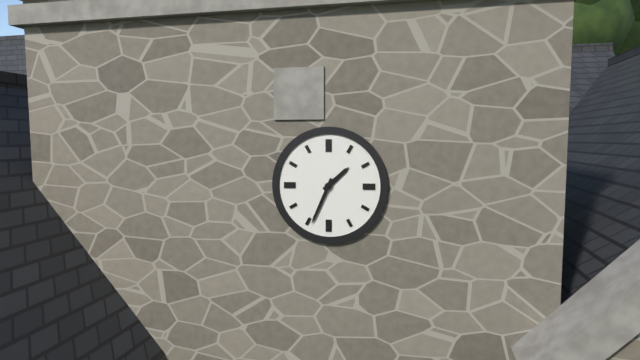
1:34
